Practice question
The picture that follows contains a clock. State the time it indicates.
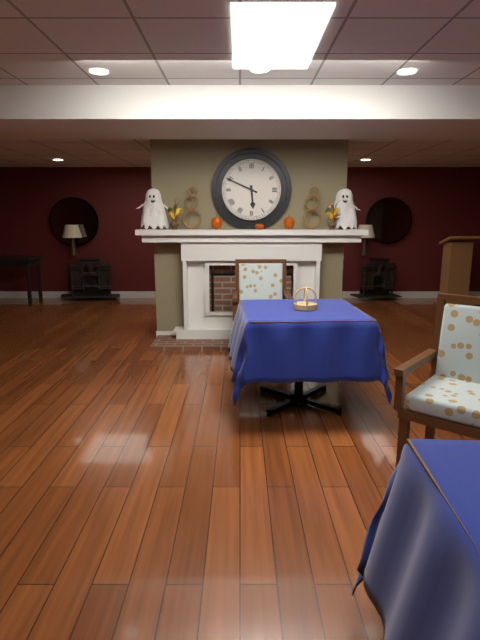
5:49
